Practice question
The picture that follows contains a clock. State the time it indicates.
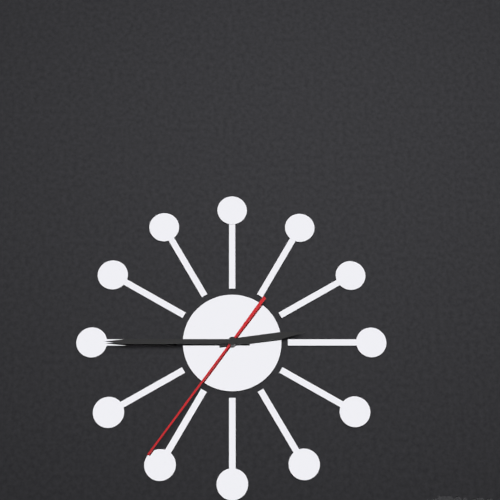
2:45:36
